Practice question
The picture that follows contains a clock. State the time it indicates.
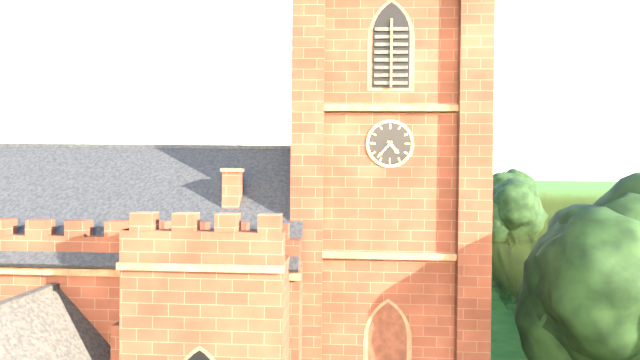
4:37
